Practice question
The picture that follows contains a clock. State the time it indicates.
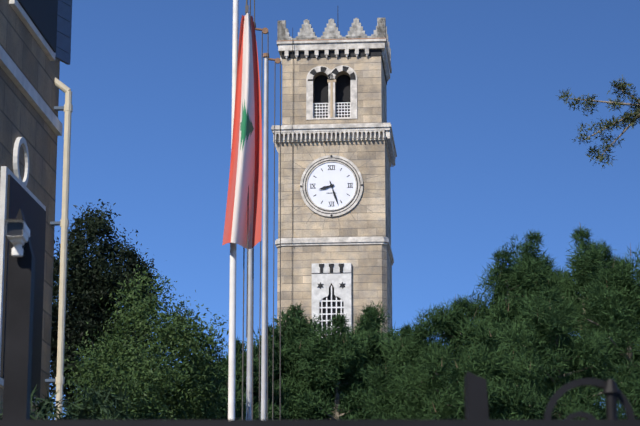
8:27
